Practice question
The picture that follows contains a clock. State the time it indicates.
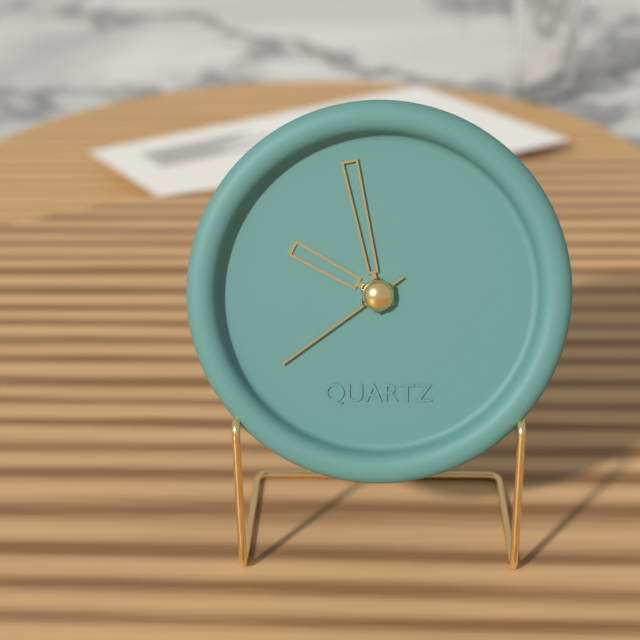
9:58:39
